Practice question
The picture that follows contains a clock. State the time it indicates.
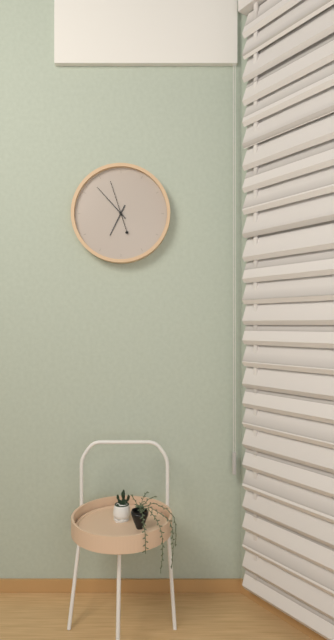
6:53
